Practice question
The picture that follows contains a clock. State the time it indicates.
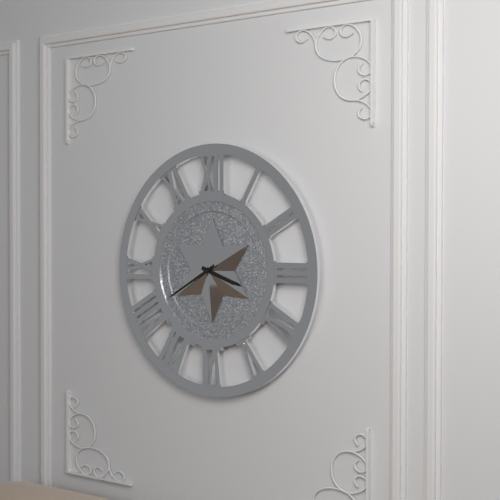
3:40
